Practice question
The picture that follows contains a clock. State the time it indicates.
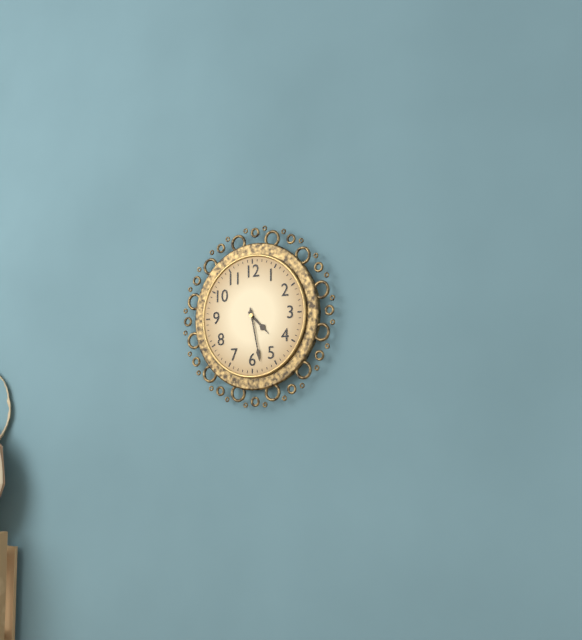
4:28
